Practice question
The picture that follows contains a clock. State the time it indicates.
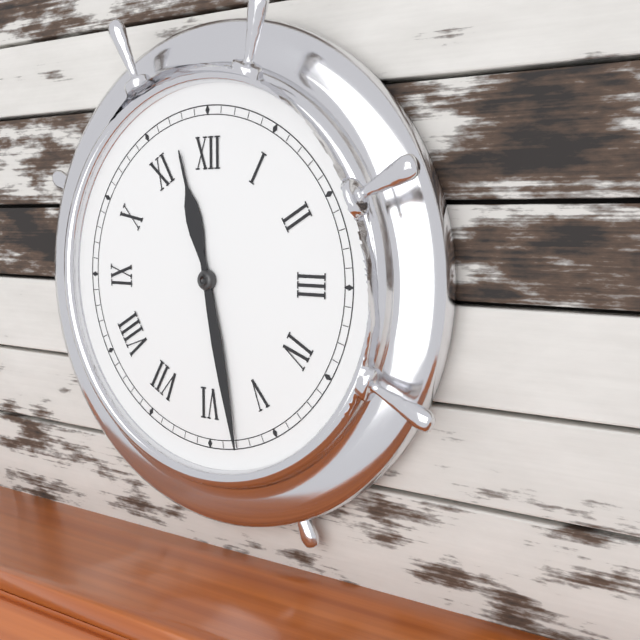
11:28
